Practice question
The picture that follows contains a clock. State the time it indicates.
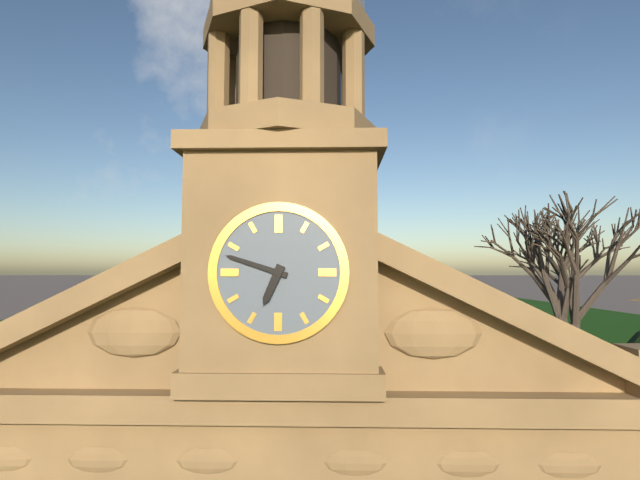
6:48
